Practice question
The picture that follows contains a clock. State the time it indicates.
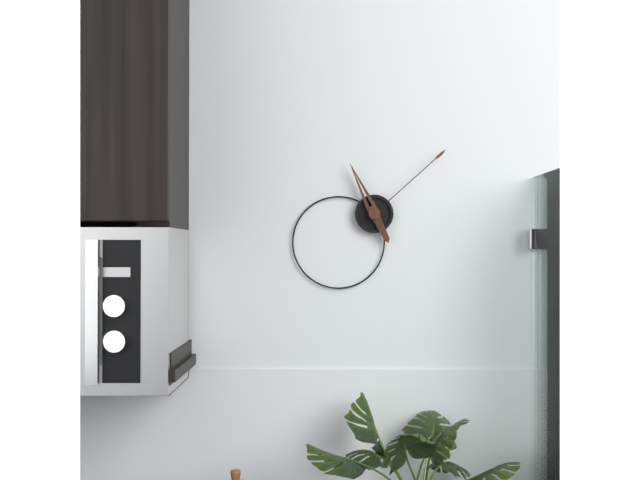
11:08
